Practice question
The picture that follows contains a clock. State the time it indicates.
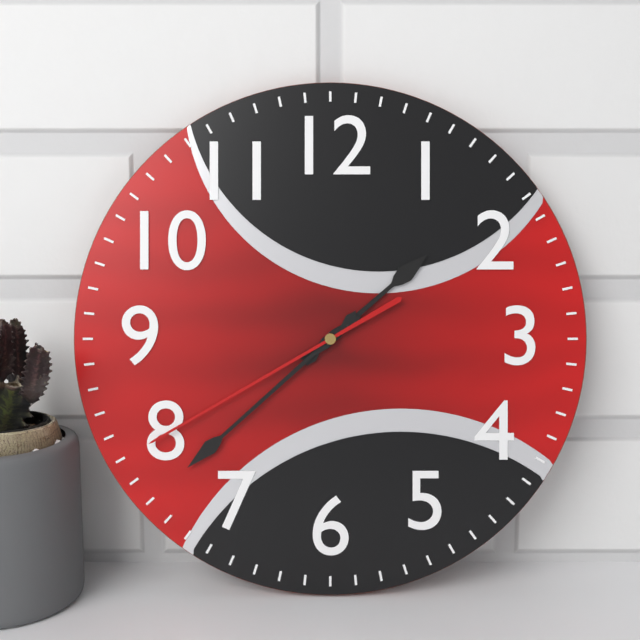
1:38:40
